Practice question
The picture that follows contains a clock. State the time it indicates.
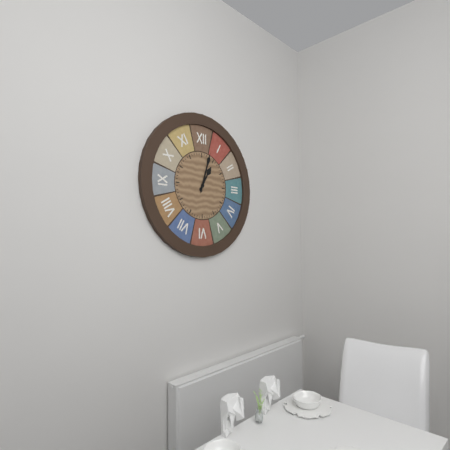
1:03
